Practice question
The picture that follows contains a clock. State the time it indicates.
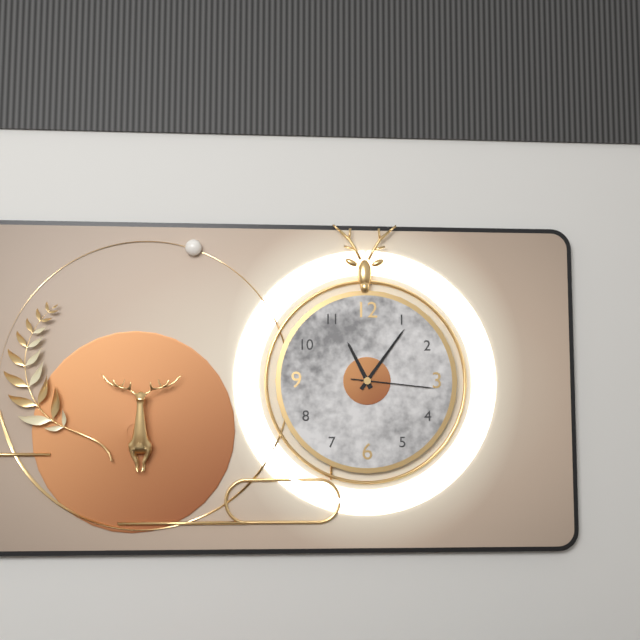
11:06:16
